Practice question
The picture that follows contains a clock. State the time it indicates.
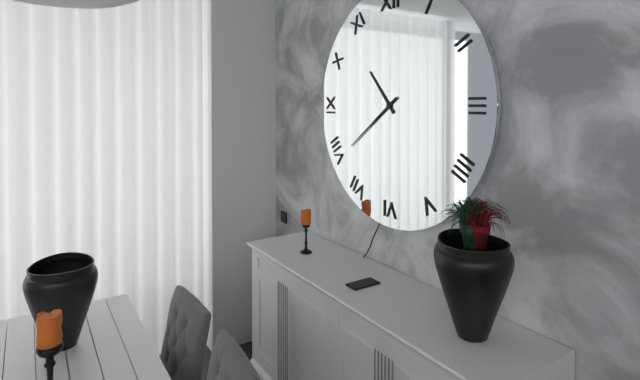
10:39
